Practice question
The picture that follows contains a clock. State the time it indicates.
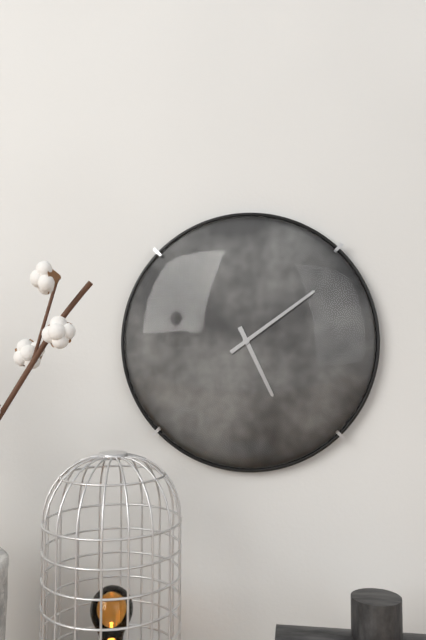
5:09
